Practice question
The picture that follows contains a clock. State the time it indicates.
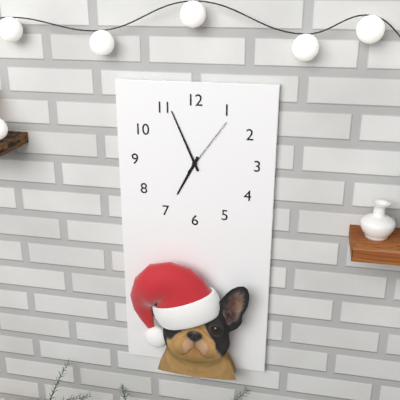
6:56:06
